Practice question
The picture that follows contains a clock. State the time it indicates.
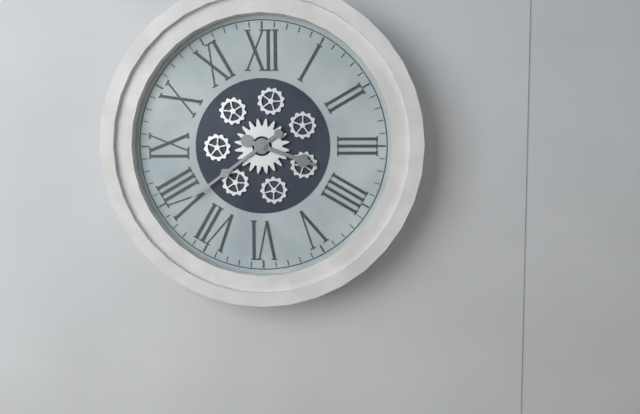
3:39
